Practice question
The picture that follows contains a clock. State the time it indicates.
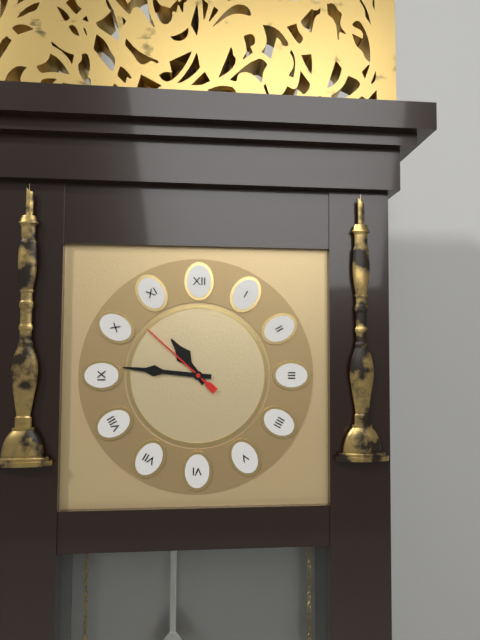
10:46:52
